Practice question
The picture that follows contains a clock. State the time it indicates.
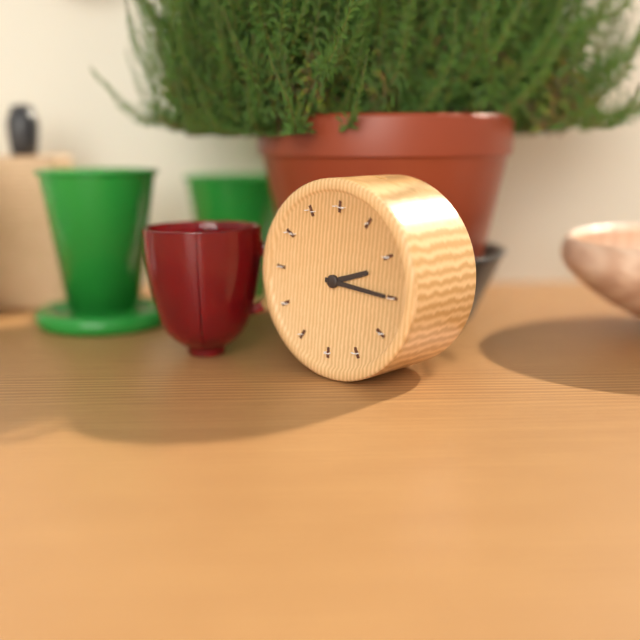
2:15
